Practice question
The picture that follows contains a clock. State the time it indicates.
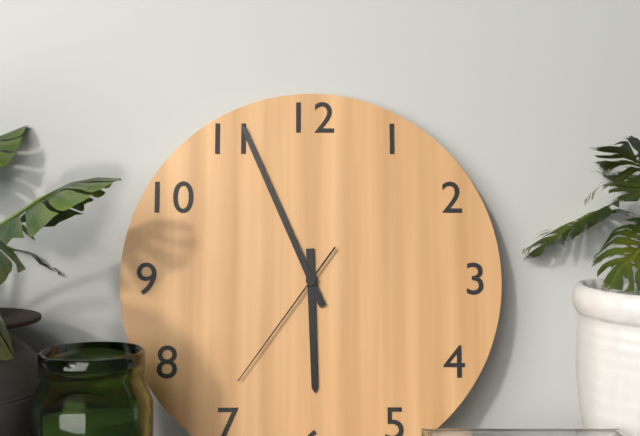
5:56:36
